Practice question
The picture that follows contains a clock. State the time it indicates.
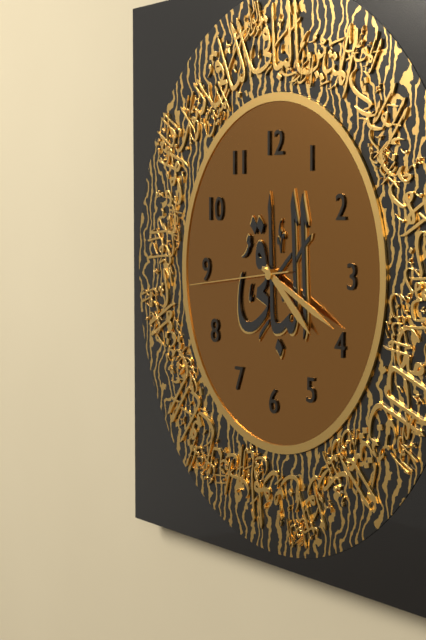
4:19:44
